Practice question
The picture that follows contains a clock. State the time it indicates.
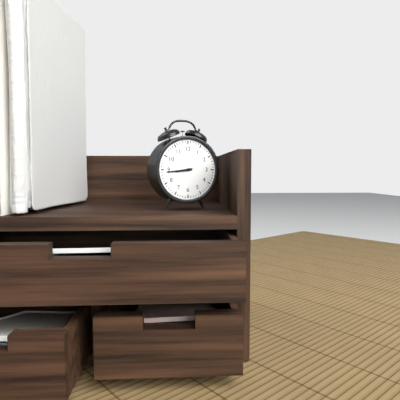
8:44
